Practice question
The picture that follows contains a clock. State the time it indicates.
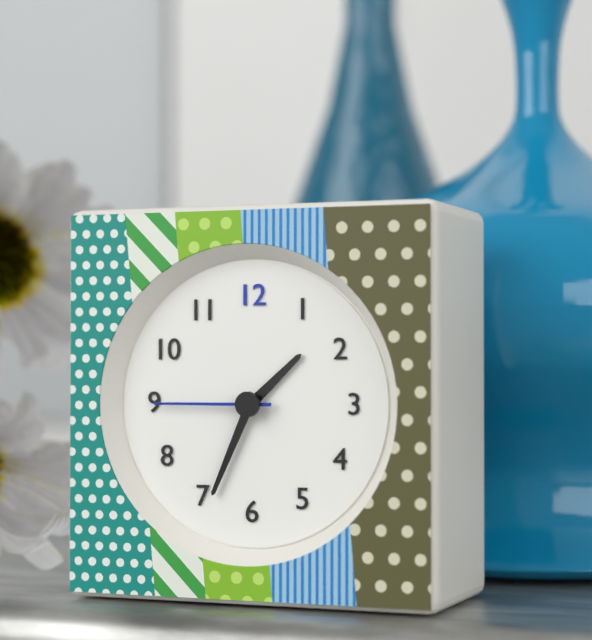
1:34:45
